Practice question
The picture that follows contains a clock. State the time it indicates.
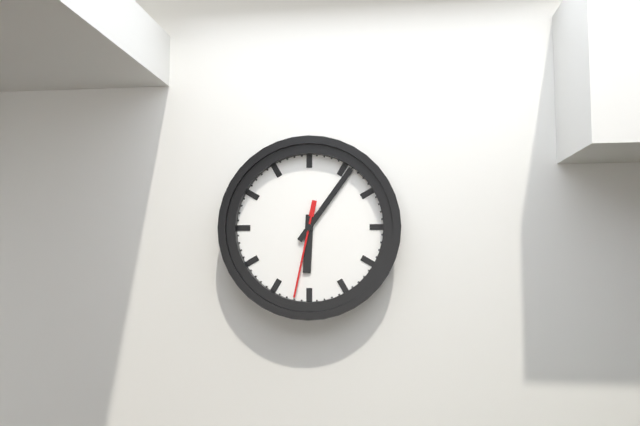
6:06:32
